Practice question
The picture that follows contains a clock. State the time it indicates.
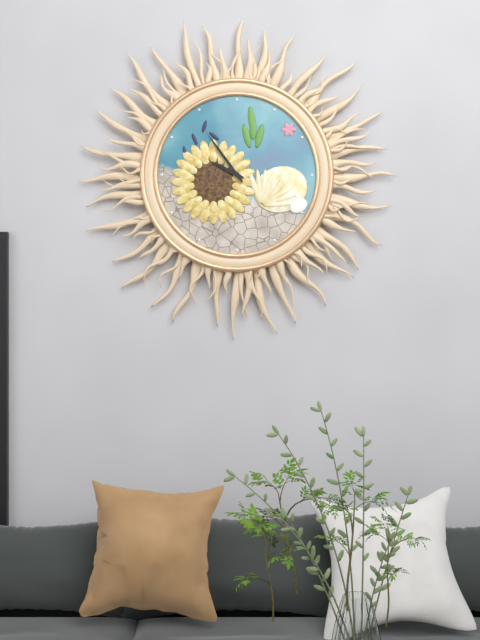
9:54
